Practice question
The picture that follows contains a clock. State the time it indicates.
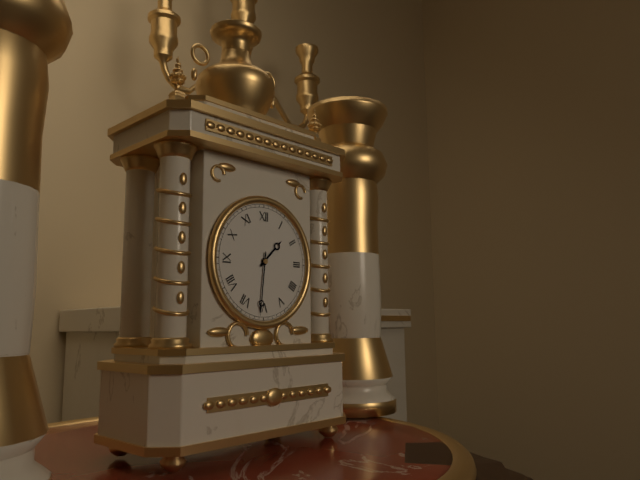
1:31
